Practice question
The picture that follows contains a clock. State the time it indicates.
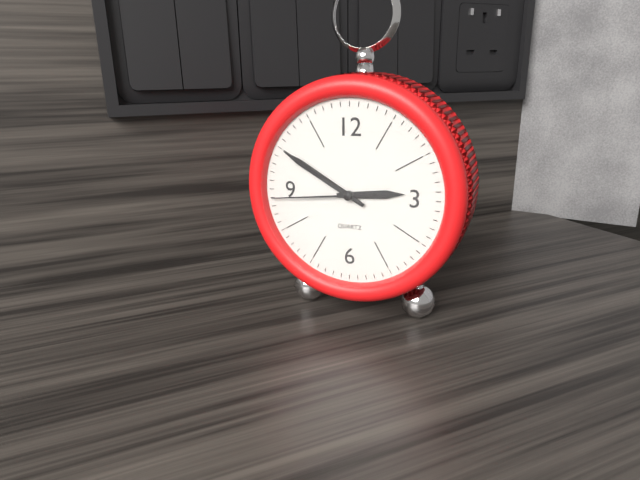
2:50:44
